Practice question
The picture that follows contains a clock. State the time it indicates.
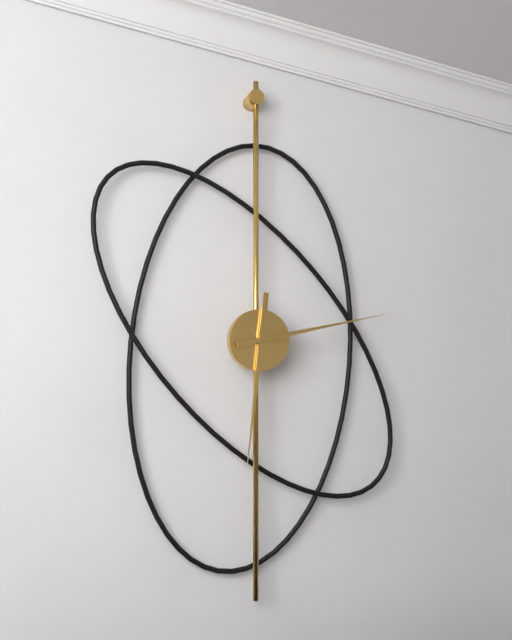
6:13
